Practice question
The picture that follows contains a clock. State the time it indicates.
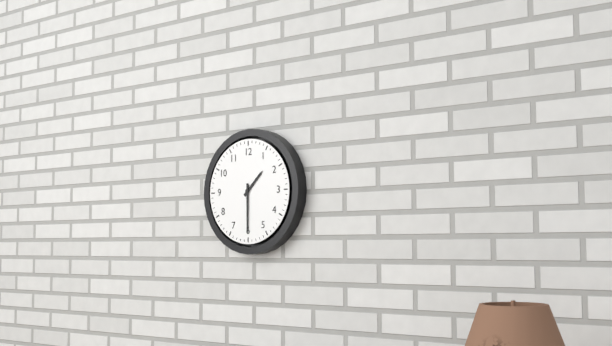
1:30
